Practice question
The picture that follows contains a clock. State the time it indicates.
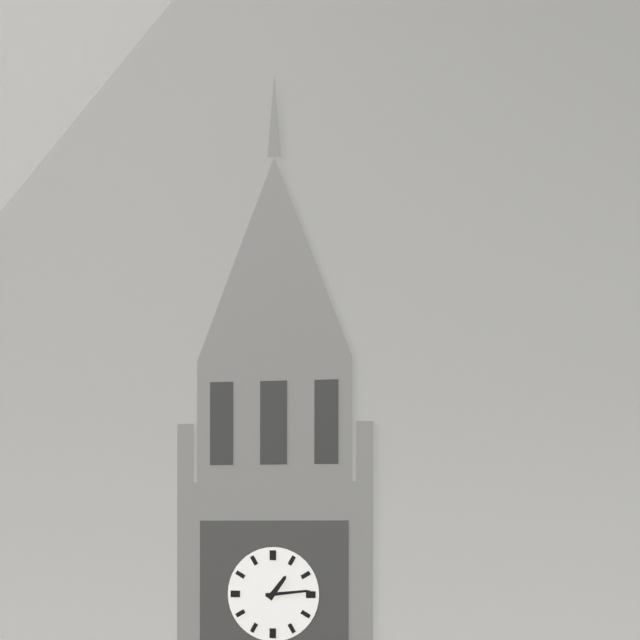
1:14
